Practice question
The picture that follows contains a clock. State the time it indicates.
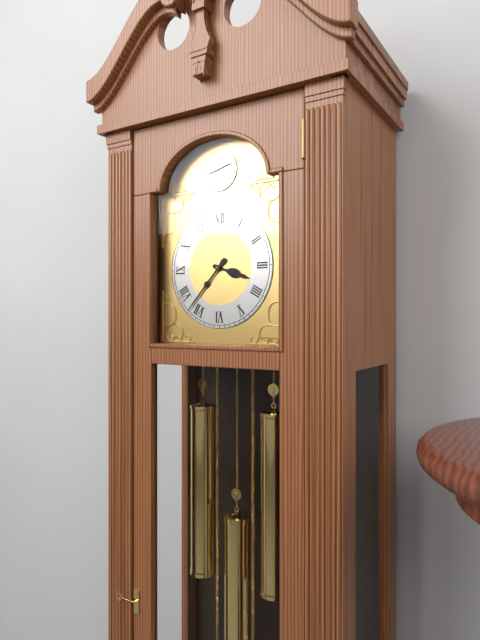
3:37
